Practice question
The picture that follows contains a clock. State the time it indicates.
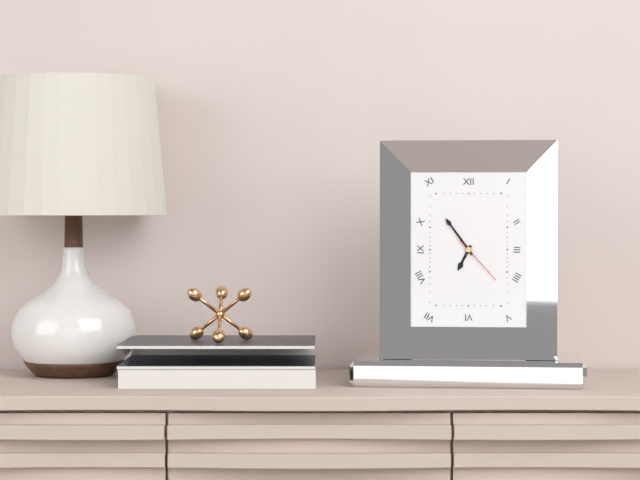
6:54:23
